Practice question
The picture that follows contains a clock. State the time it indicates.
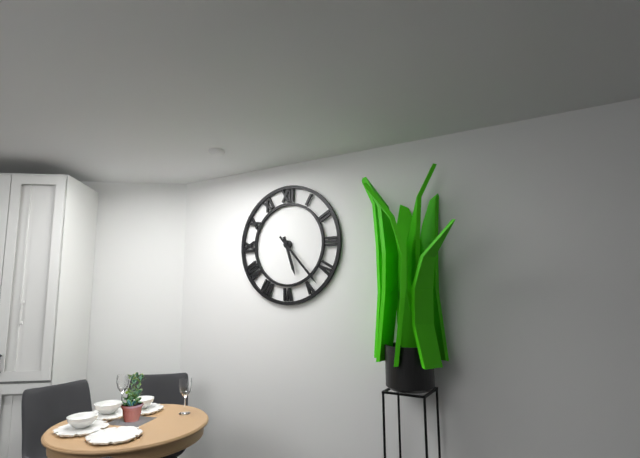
5:23
